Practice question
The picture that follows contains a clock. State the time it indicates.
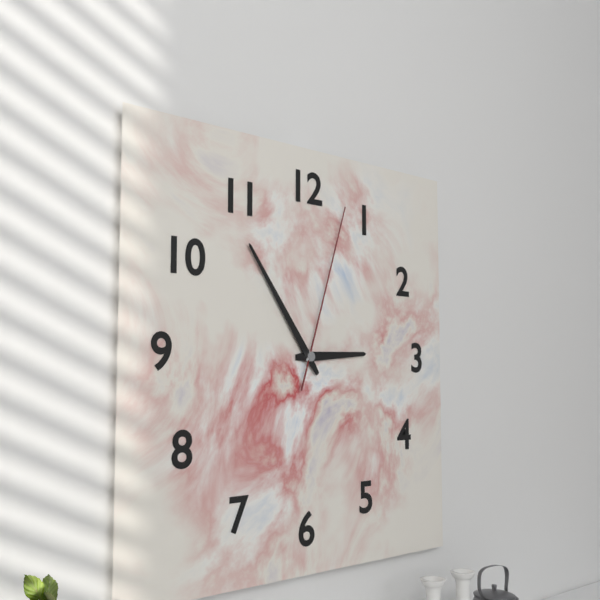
2:54:03
